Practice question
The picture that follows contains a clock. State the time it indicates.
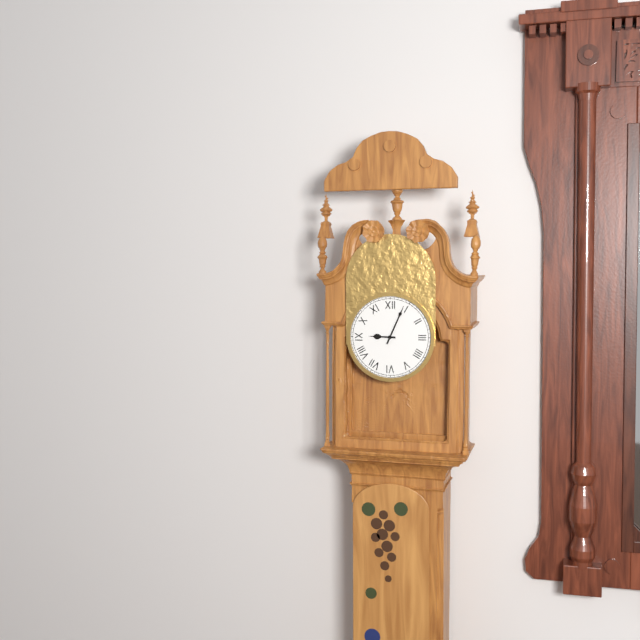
9:04
